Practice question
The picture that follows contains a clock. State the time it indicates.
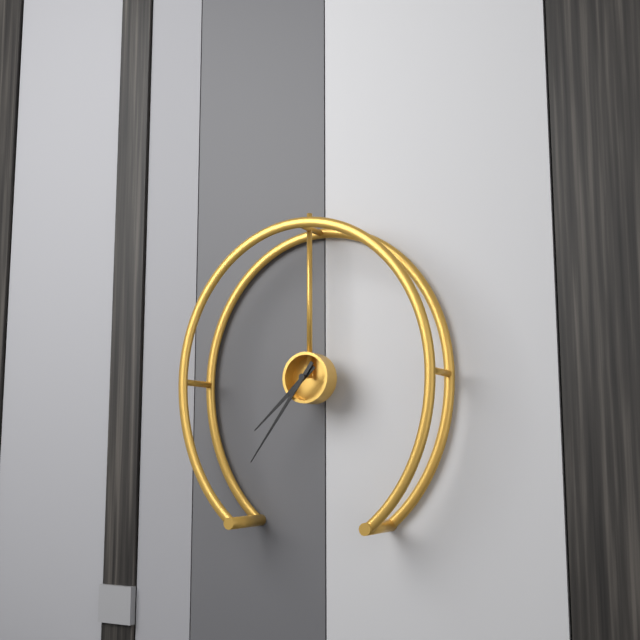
7:36
